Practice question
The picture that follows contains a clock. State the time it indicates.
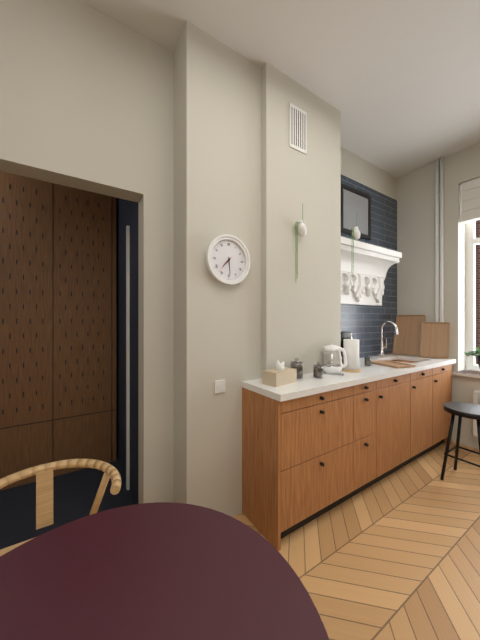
7:29
